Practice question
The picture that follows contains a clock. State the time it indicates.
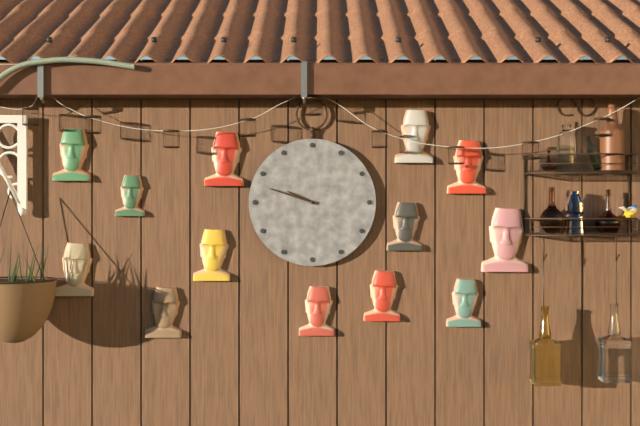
9:48
